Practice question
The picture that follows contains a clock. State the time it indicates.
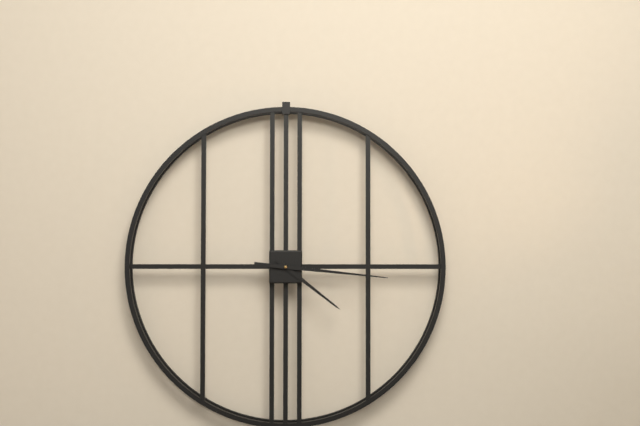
4:16
